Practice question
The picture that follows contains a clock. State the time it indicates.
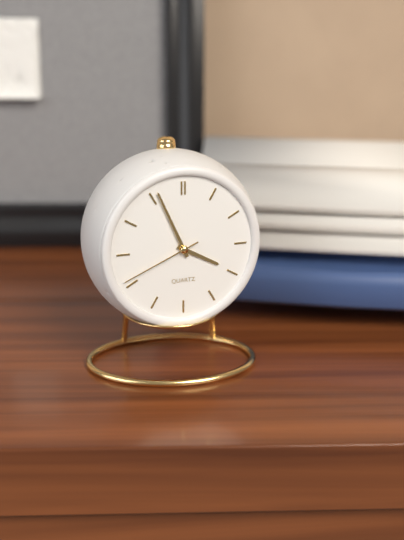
3:56:41
